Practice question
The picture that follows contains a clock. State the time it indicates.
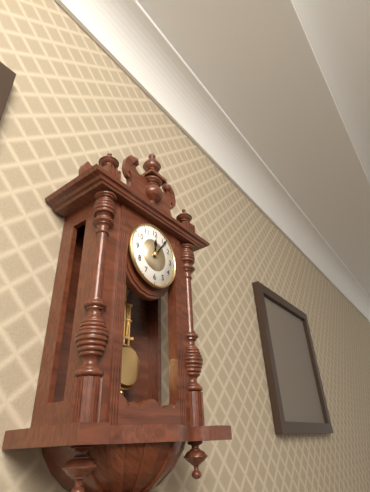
12:06
